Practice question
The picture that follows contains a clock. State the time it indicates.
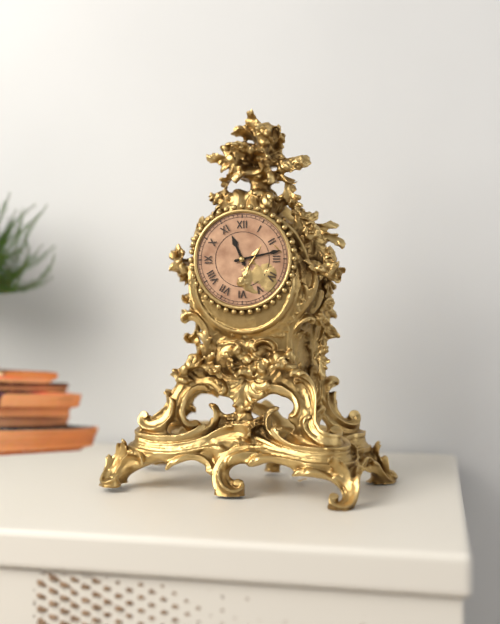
11:13
